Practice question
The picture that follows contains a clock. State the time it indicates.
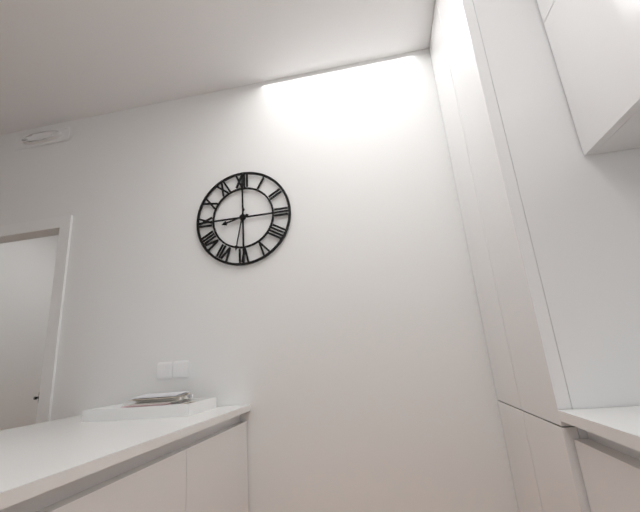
8:32
